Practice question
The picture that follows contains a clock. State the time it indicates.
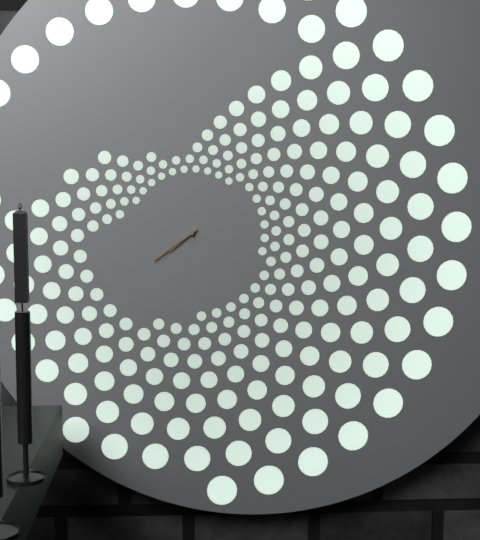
7:39
